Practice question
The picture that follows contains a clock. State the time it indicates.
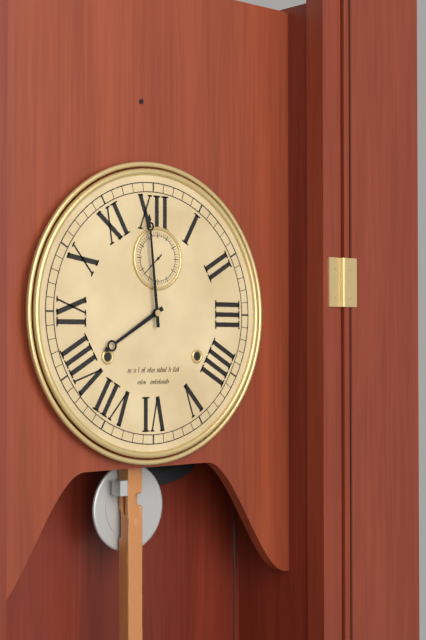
7:59
